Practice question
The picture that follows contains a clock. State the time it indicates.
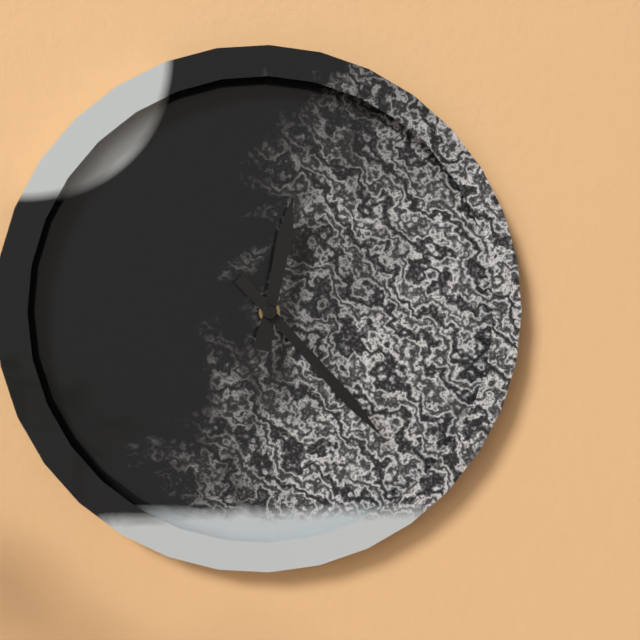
12:23
